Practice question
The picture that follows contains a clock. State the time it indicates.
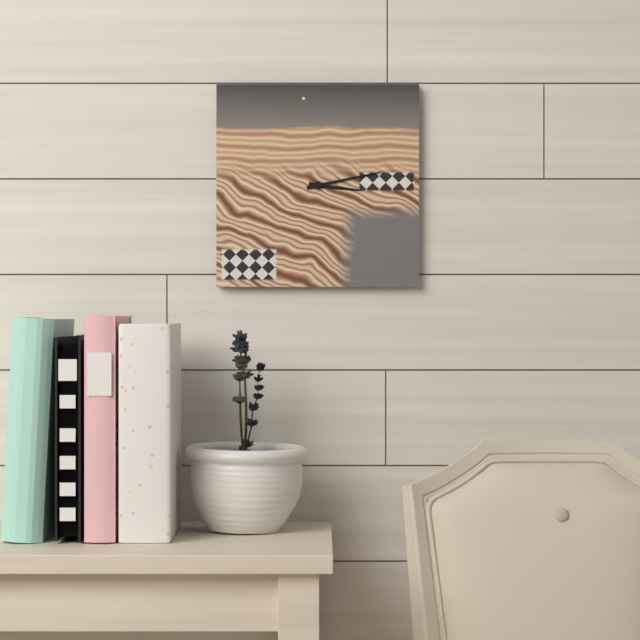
3:13
